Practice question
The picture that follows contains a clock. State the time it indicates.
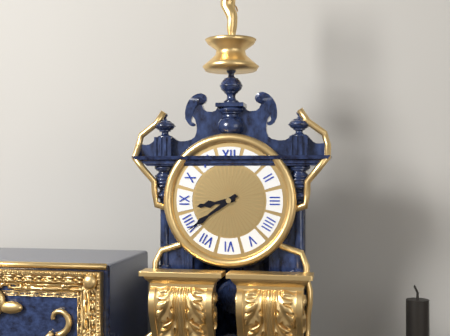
8:39
